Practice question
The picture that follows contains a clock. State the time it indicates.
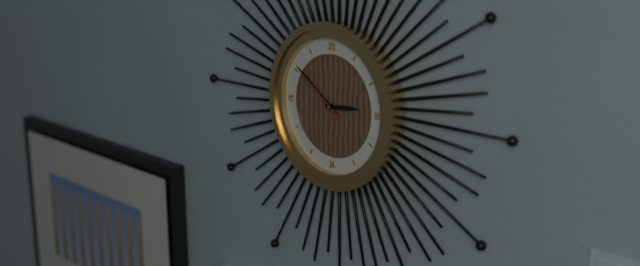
2:51:51
